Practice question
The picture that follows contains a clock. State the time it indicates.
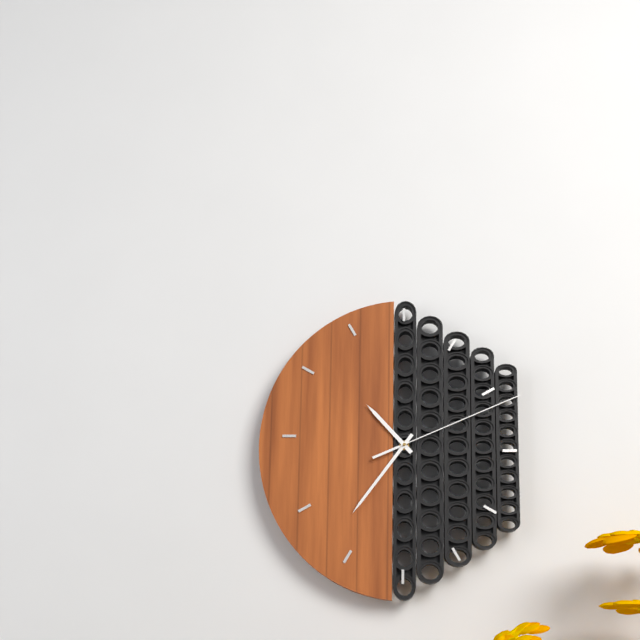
10:36:11
